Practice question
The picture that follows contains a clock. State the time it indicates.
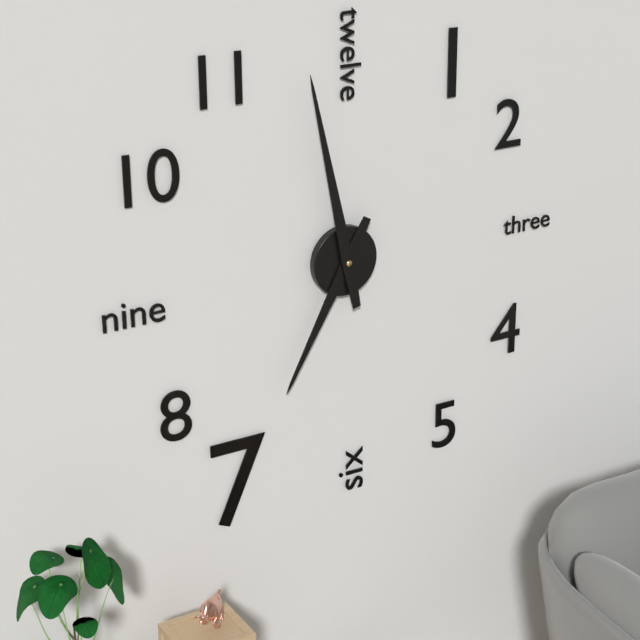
6:58
